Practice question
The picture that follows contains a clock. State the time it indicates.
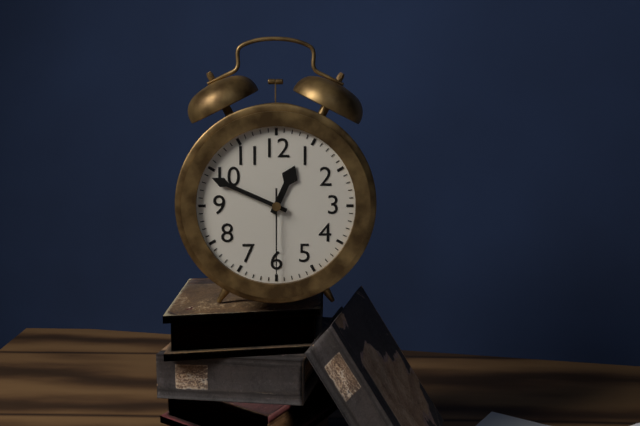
12:49:30
